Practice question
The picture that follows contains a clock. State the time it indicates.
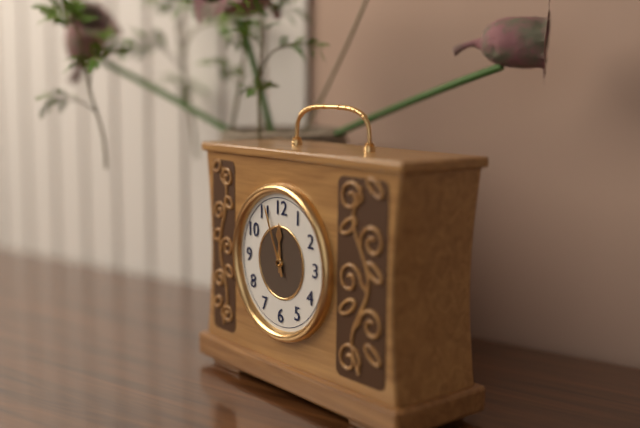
11:56
